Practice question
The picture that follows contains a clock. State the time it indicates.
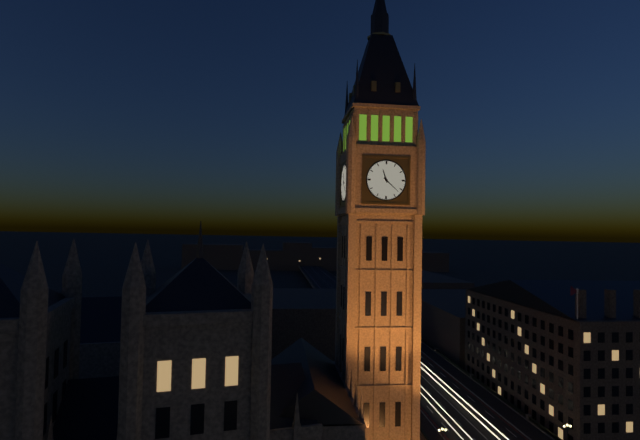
11:22
